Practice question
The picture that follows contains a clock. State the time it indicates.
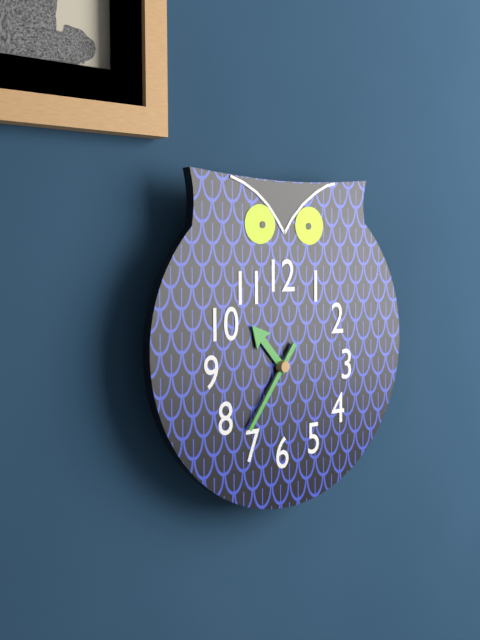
10:36
